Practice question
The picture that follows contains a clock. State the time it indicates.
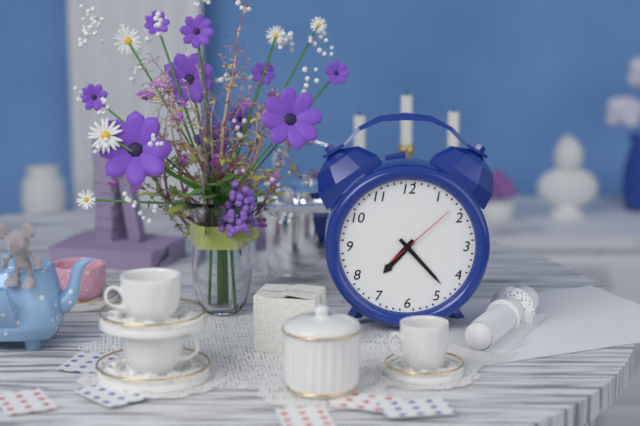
7:23:08
